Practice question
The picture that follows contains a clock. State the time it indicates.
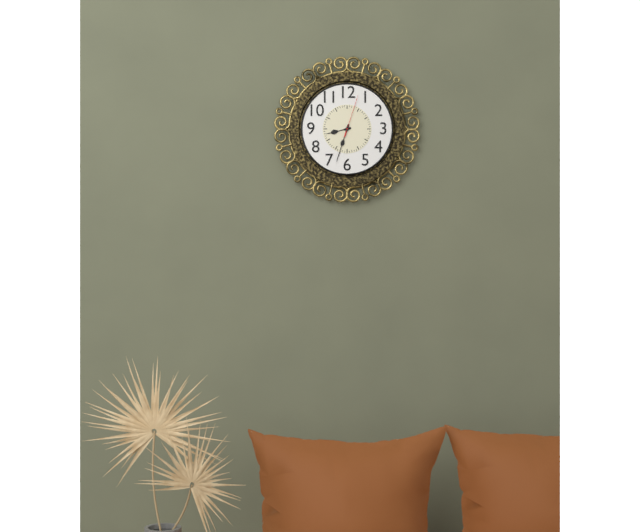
8:33
